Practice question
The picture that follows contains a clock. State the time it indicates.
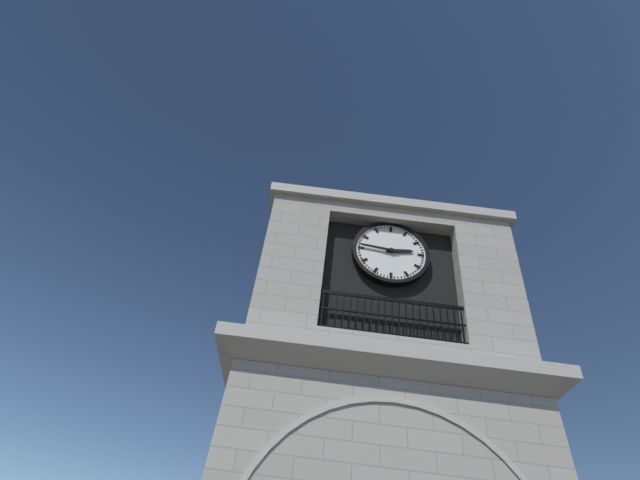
2:46
